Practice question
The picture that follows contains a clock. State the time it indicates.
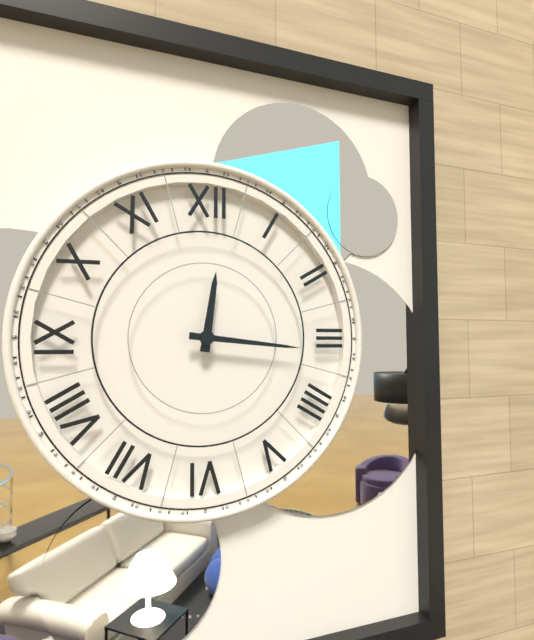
12:16
